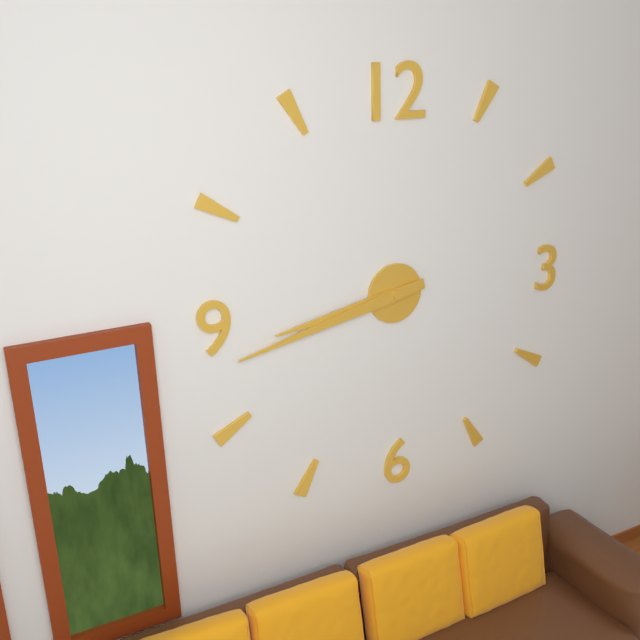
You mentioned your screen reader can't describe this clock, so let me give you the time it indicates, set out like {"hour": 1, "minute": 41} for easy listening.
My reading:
{"hour": 8, "minute": 43}
